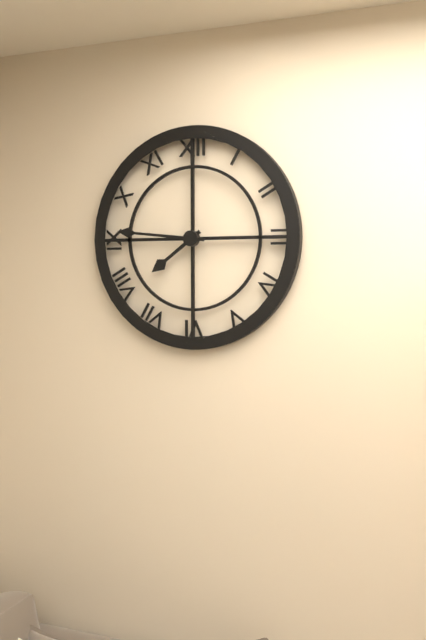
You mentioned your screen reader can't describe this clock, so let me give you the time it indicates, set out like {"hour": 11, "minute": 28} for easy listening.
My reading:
{"hour": 7, "minute": 46}
